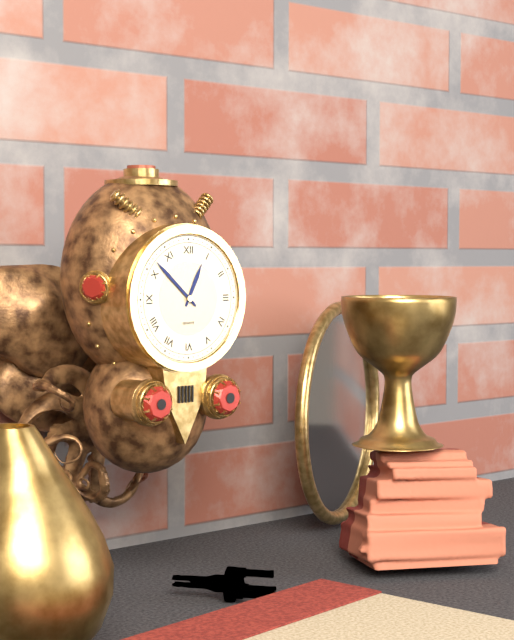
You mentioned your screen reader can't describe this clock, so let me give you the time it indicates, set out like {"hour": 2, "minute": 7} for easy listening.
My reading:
{"hour": 12, "minute": 52}
